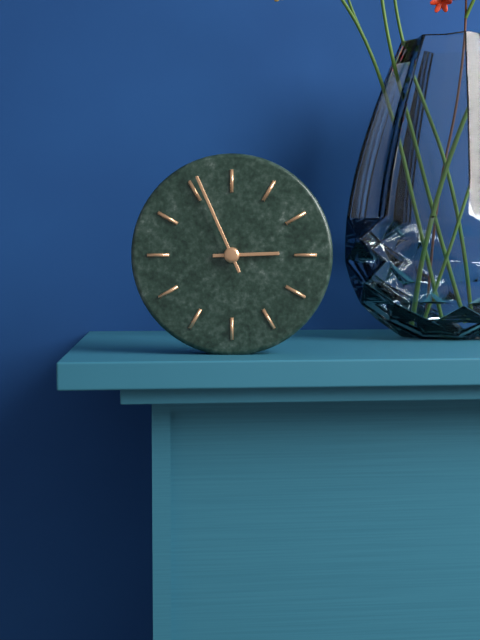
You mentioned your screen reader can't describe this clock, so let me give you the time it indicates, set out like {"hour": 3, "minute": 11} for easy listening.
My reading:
{"hour": 2, "minute": 56}
